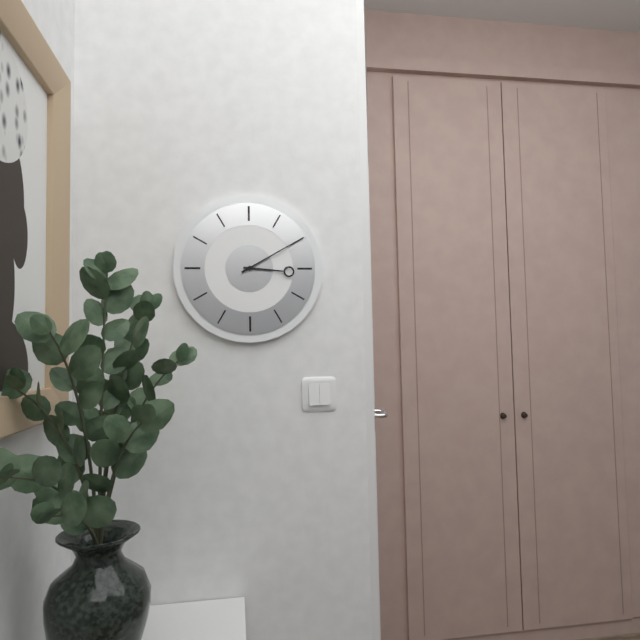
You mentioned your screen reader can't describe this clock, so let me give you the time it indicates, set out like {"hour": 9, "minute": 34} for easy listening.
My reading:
{"hour": 3, "minute": 10}
